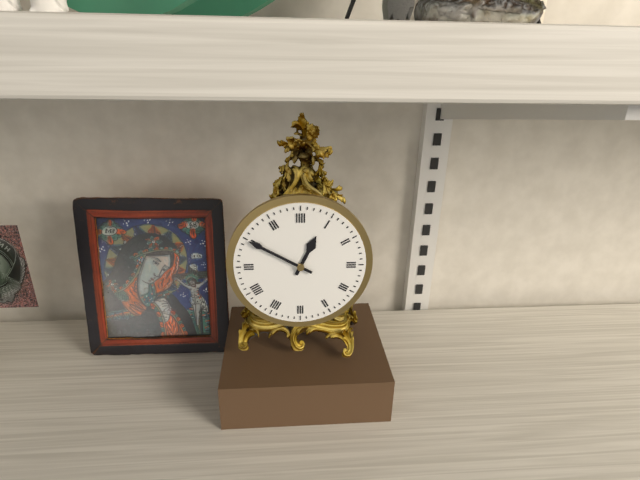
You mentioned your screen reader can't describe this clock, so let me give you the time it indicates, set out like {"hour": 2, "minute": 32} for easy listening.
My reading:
{"hour": 12, "minute": 50}
